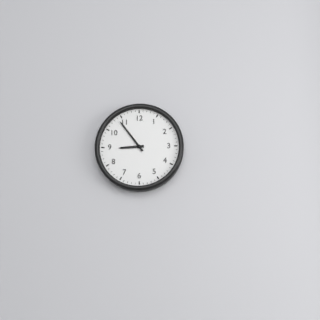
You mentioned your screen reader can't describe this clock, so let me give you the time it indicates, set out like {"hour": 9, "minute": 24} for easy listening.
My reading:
{"hour": 8, "minute": 54}
